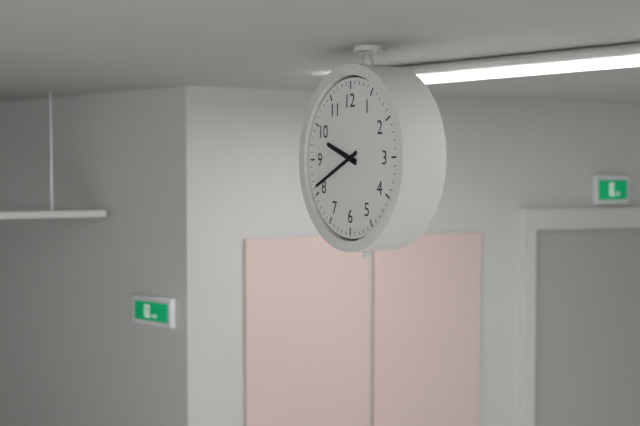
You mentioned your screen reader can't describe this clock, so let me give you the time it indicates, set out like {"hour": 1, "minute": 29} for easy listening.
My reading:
{"hour": 9, "minute": 41}
